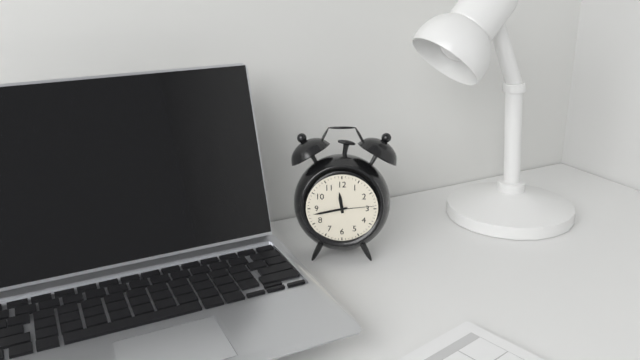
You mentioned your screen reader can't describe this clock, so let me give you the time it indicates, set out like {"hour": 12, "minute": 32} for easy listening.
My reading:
{"hour": 11, "minute": 43}
